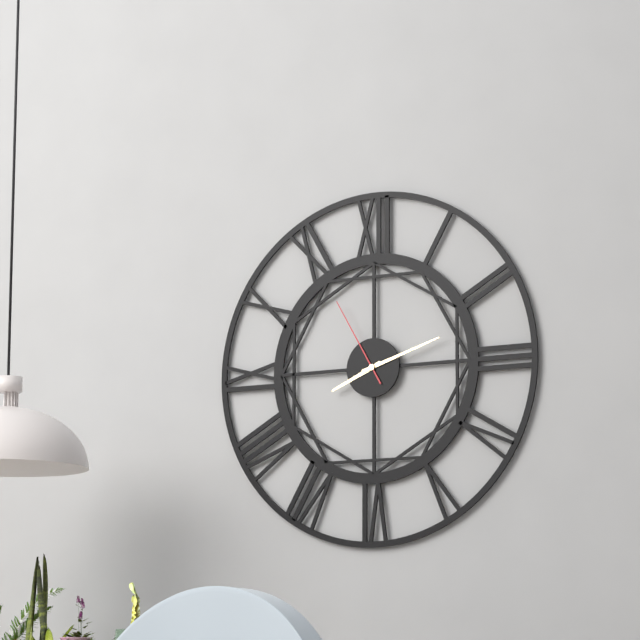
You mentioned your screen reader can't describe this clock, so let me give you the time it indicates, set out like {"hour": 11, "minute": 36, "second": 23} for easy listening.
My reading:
{"hour": 8, "minute": 12, "second": 55}
